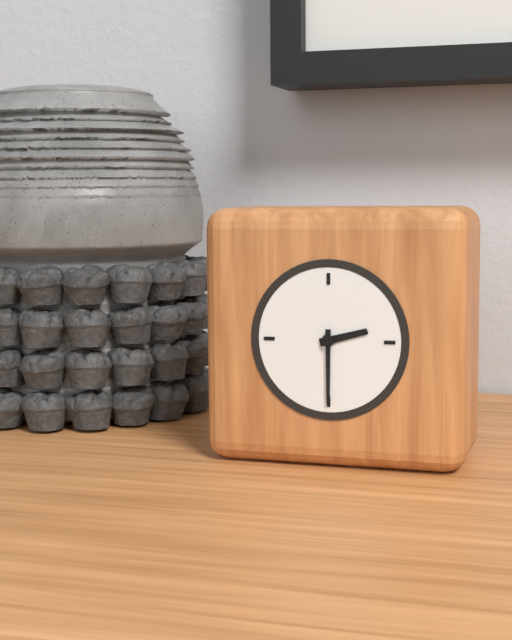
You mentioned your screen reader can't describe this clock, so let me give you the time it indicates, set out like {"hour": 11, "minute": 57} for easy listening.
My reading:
{"hour": 2, "minute": 30}
